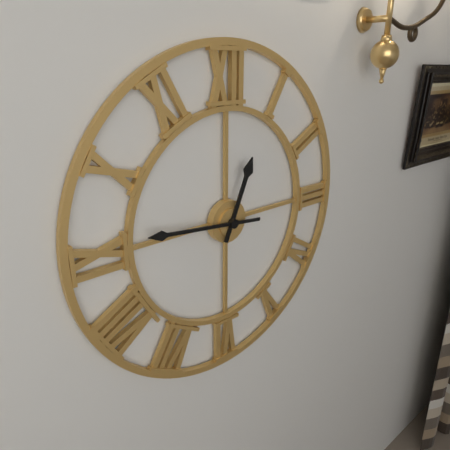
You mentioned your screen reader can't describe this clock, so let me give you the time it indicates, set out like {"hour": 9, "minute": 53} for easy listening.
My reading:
{"hour": 12, "minute": 46}
